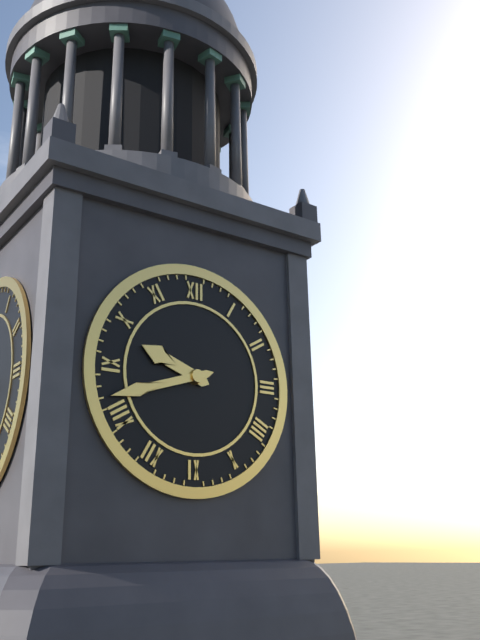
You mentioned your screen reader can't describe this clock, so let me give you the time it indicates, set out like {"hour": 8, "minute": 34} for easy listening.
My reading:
{"hour": 9, "minute": 42}
